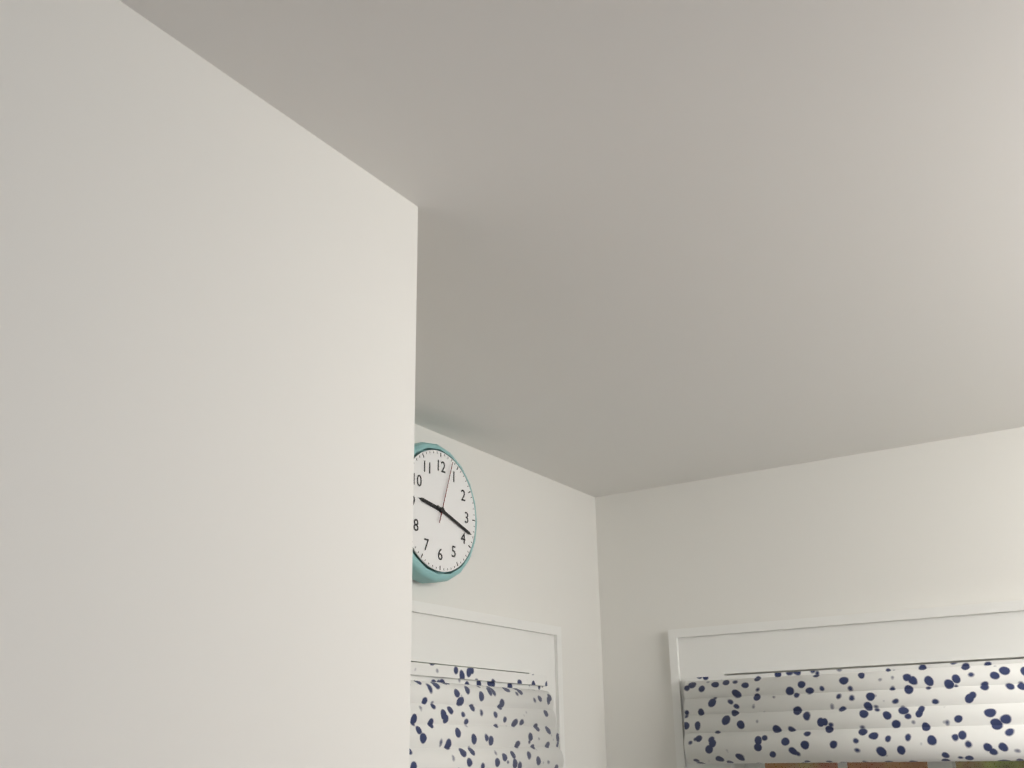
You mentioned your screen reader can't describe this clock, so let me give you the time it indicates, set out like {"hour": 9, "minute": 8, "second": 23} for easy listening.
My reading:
{"hour": 9, "minute": 18, "second": 3}
